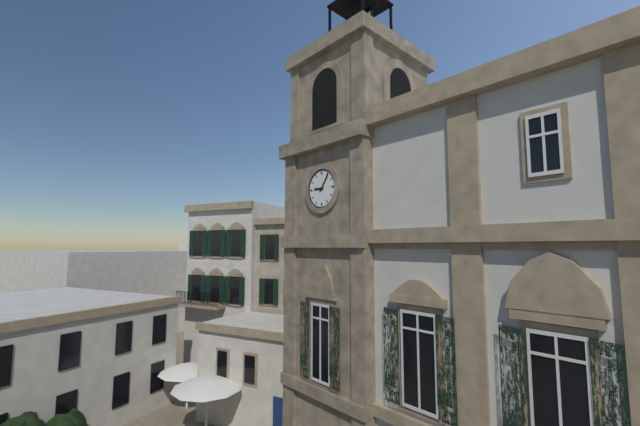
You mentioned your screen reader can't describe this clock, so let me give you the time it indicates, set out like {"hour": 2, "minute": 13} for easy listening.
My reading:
{"hour": 9, "minute": 6}
